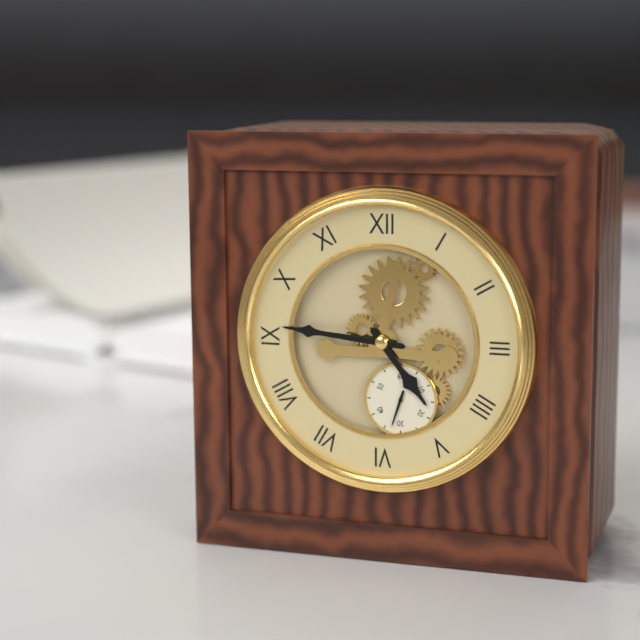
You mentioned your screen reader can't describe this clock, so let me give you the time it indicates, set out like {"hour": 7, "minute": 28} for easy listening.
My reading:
{"hour": 4, "minute": 46}
